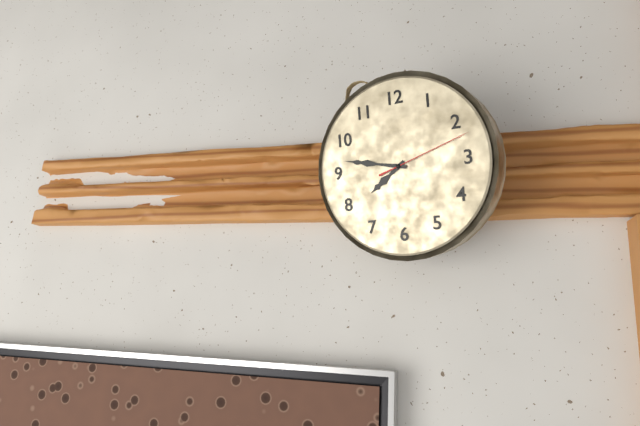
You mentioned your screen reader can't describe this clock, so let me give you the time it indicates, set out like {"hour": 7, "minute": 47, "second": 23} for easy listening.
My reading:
{"hour": 7, "minute": 47, "second": 12}
